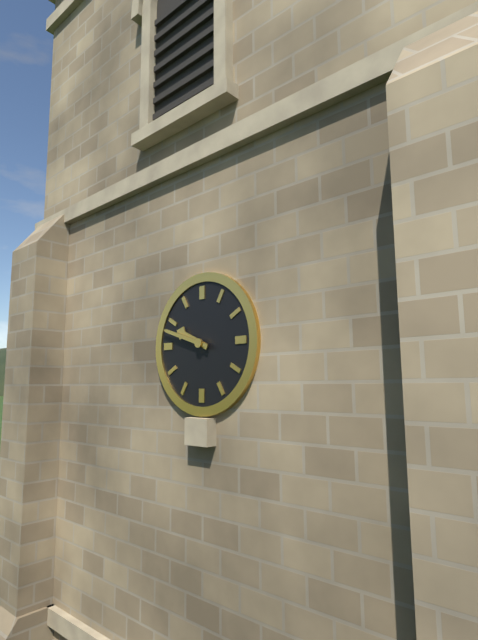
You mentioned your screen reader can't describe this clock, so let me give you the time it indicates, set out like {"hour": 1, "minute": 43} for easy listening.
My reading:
{"hour": 9, "minute": 48}
